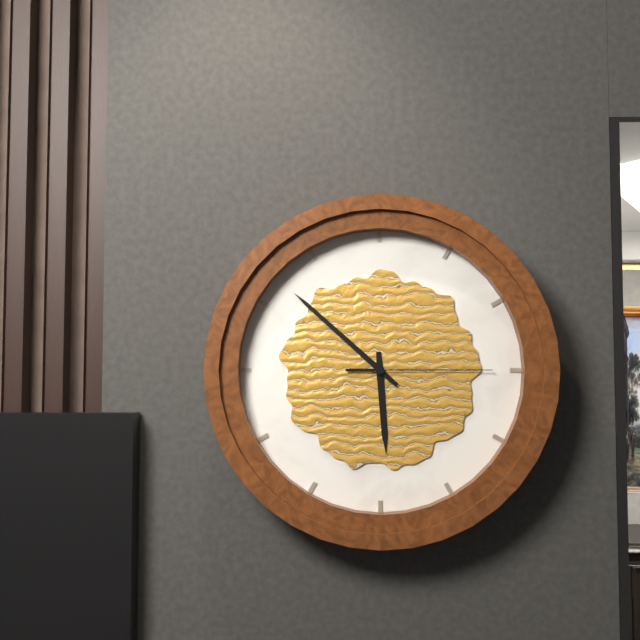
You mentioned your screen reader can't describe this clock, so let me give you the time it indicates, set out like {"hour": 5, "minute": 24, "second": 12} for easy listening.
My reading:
{"hour": 5, "minute": 52, "second": 15}
